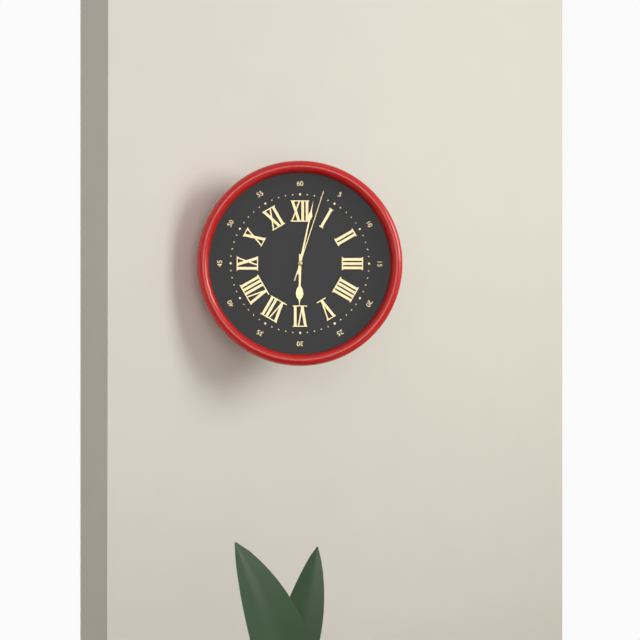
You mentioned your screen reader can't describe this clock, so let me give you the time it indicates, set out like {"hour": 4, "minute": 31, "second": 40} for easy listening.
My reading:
{"hour": 6, "minute": 2, "second": 3}
